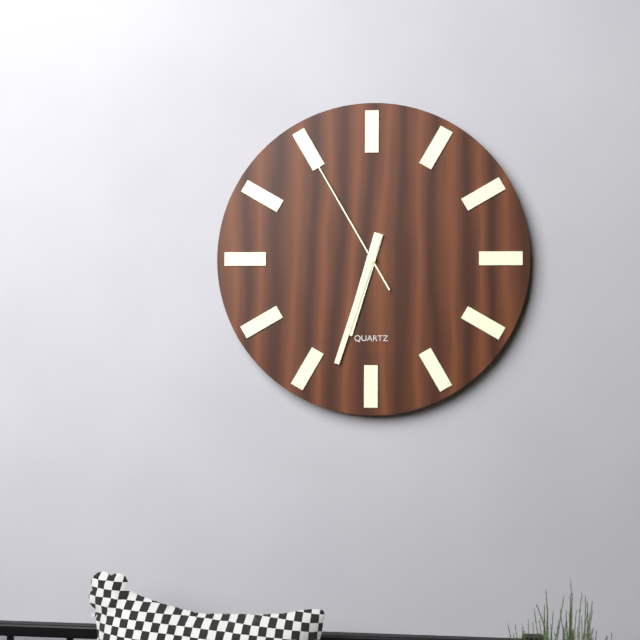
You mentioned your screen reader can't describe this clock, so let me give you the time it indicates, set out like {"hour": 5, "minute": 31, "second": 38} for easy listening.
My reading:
{"hour": 6, "minute": 33, "second": 55}
